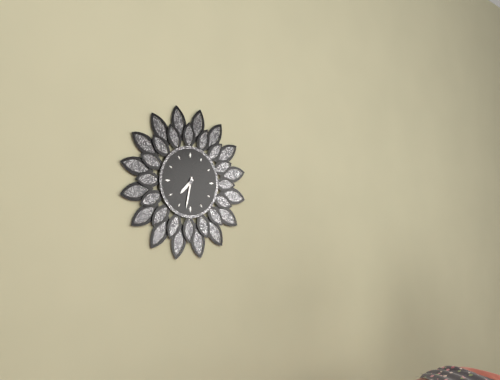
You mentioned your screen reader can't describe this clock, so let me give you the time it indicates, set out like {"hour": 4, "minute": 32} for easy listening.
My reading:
{"hour": 7, "minute": 32}
